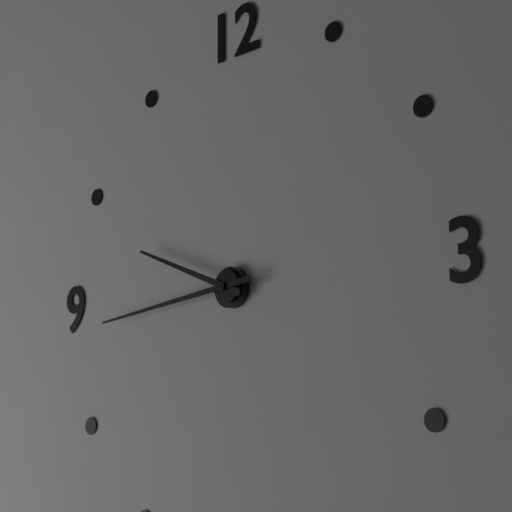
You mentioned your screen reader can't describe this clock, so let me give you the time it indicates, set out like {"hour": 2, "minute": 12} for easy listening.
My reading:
{"hour": 9, "minute": 44}
